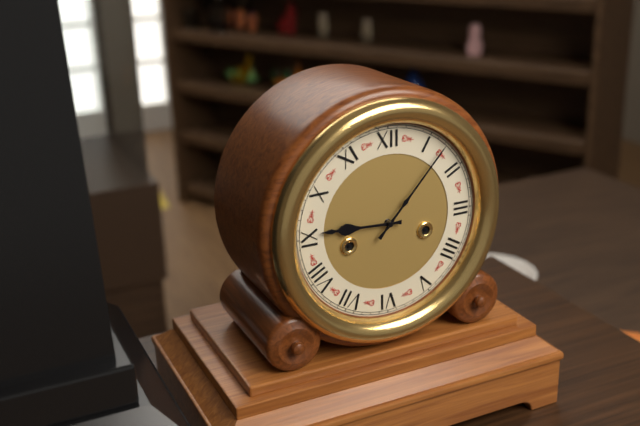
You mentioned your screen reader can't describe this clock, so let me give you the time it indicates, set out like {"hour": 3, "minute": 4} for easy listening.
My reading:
{"hour": 9, "minute": 7}
